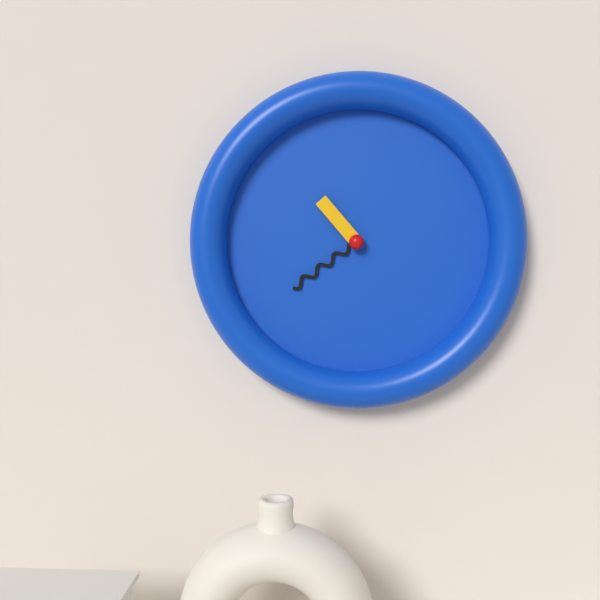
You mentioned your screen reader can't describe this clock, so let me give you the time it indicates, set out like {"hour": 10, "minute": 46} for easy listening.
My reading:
{"hour": 10, "minute": 39}
